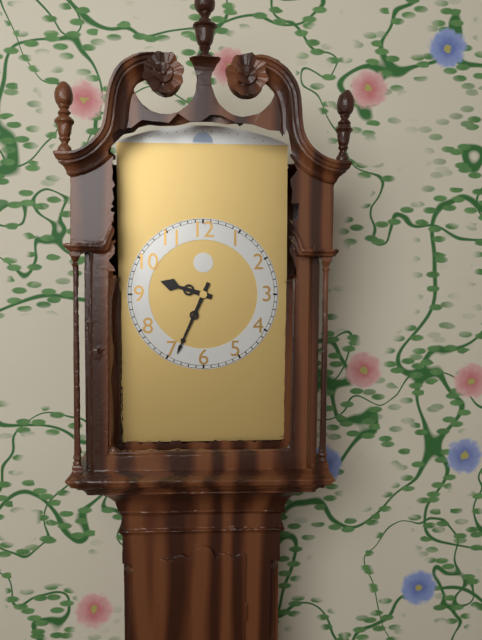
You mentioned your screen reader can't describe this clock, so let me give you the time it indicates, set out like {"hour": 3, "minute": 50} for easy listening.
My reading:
{"hour": 9, "minute": 34}
